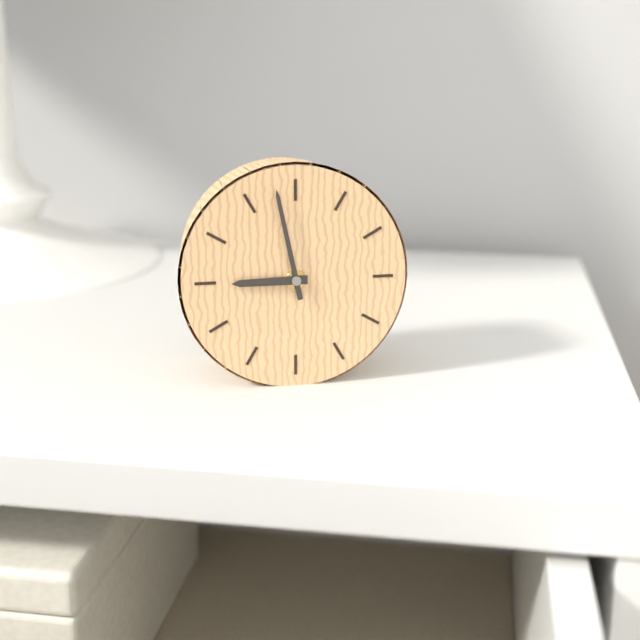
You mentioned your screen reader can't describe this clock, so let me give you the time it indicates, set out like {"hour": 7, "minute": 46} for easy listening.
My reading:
{"hour": 8, "minute": 58}
